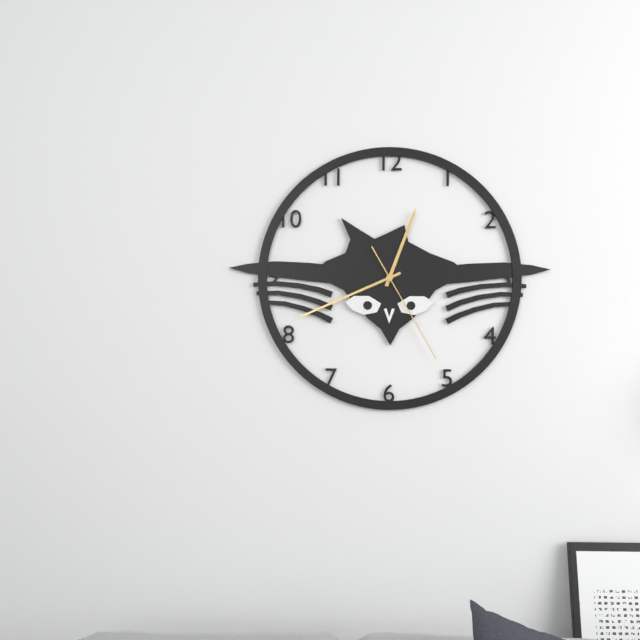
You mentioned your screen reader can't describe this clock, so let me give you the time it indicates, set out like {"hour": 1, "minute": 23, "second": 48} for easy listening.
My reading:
{"hour": 12, "minute": 41, "second": 25}
